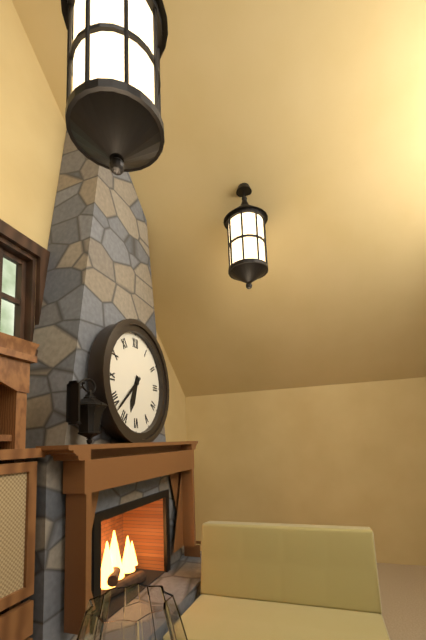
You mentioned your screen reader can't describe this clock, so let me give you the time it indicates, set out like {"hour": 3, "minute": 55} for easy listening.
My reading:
{"hour": 6, "minute": 38}
